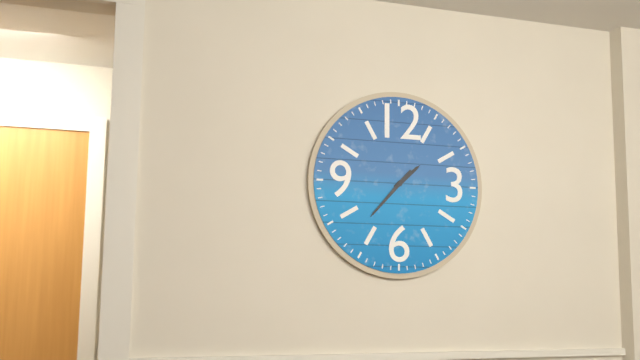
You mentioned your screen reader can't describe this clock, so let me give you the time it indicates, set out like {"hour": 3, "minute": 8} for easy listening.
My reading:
{"hour": 1, "minute": 37}
